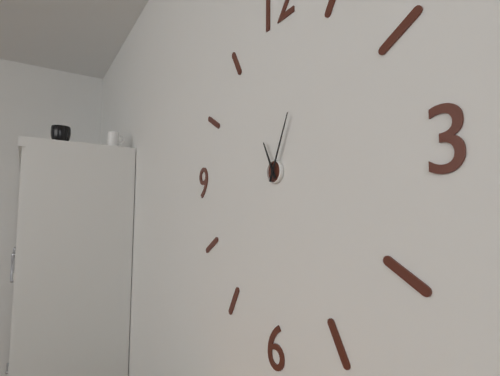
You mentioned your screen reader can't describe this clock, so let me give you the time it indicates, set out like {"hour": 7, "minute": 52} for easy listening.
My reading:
{"hour": 11, "minute": 4}
